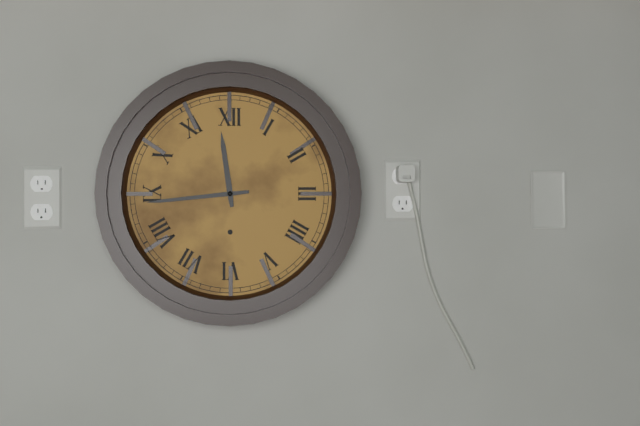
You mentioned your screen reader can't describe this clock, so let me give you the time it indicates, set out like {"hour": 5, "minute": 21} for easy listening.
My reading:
{"hour": 11, "minute": 44}
